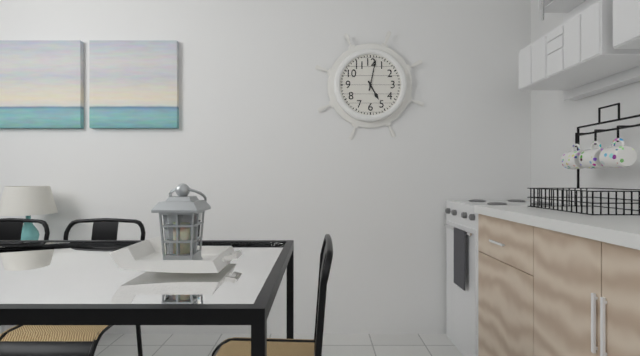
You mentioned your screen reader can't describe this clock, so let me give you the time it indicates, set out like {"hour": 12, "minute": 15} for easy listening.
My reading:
{"hour": 5, "minute": 2}
